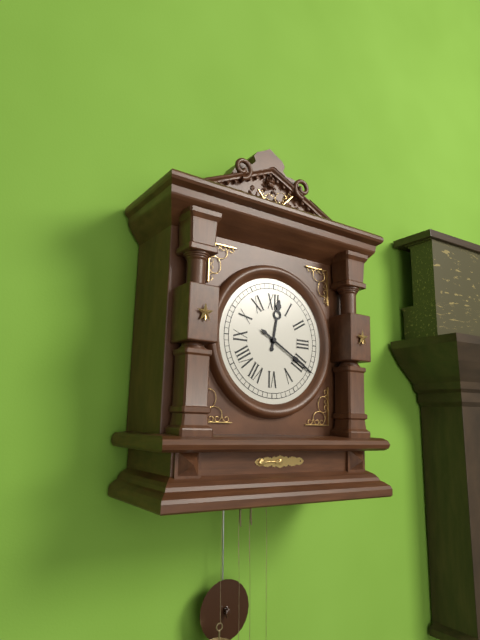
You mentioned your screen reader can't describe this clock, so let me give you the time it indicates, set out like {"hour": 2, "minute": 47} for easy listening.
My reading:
{"hour": 12, "minute": 20}
